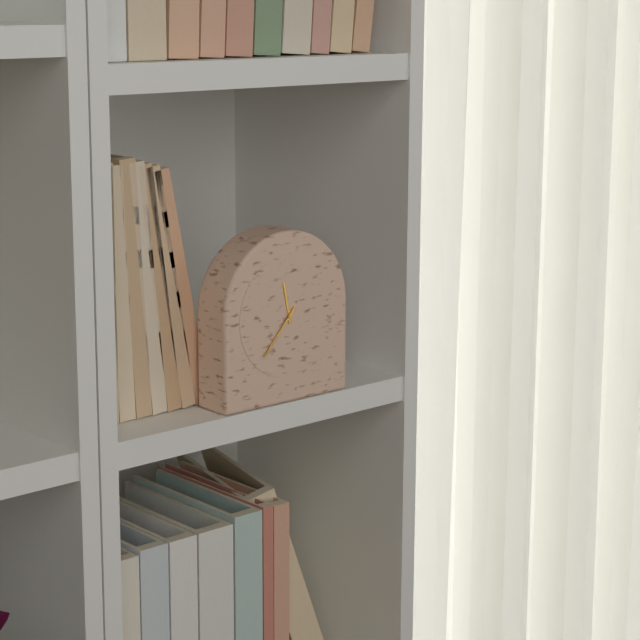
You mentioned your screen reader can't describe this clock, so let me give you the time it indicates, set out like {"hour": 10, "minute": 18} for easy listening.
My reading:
{"hour": 11, "minute": 37}
